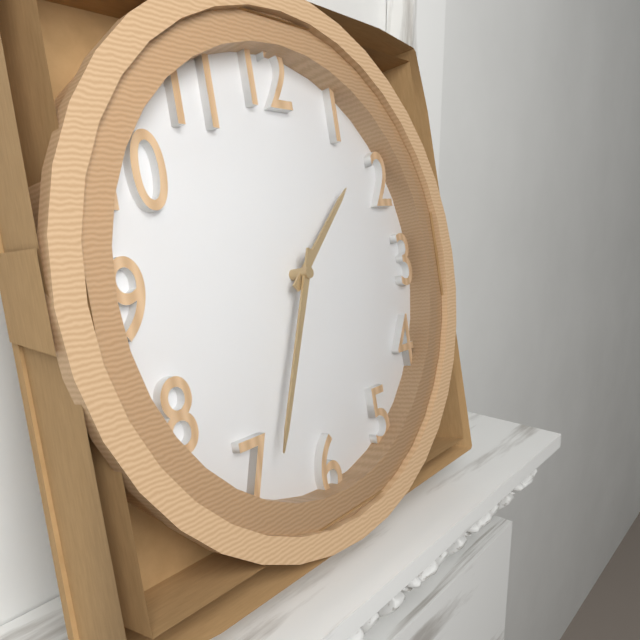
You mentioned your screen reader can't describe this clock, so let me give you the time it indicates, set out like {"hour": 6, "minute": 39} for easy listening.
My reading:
{"hour": 1, "minute": 34}
